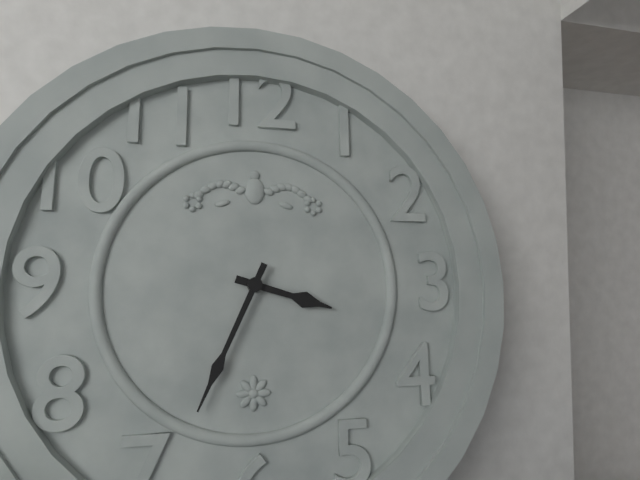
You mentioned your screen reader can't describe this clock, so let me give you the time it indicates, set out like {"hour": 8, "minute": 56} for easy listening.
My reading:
{"hour": 3, "minute": 34}
